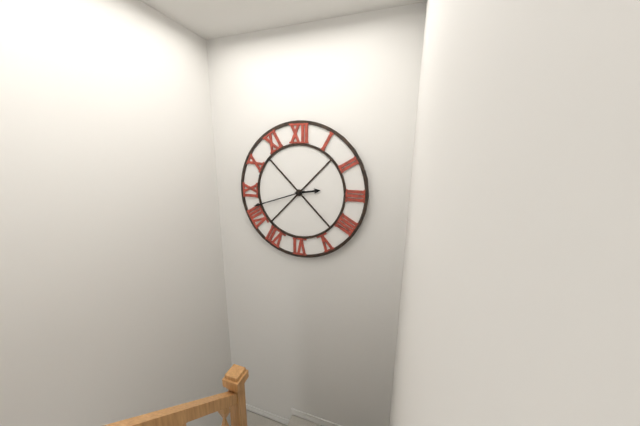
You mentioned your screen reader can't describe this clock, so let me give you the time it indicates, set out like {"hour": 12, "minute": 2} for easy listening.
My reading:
{"hour": 2, "minute": 42}
